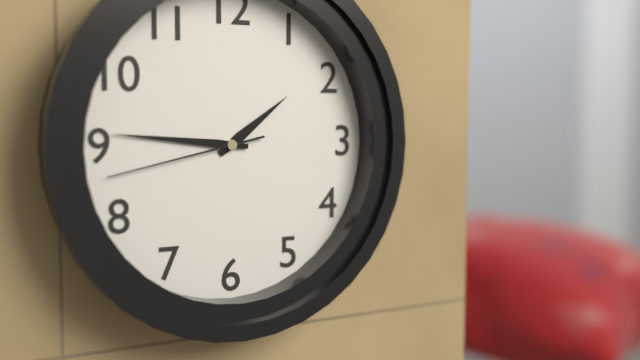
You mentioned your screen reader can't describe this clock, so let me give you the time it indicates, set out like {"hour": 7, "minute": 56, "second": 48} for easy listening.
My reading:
{"hour": 1, "minute": 46, "second": 43}
